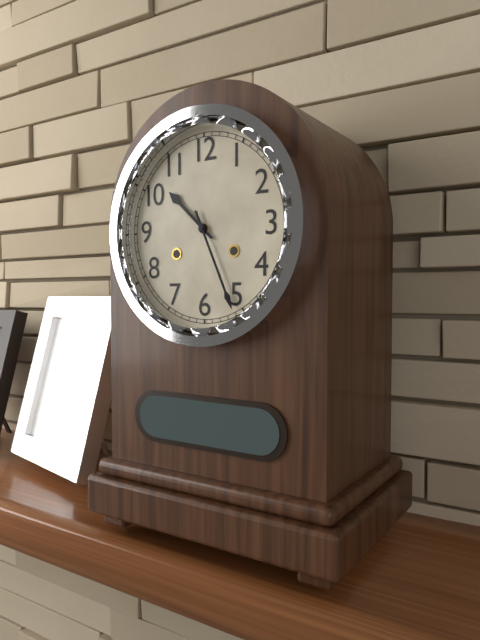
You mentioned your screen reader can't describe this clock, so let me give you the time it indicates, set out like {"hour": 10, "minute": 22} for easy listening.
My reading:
{"hour": 10, "minute": 26}
